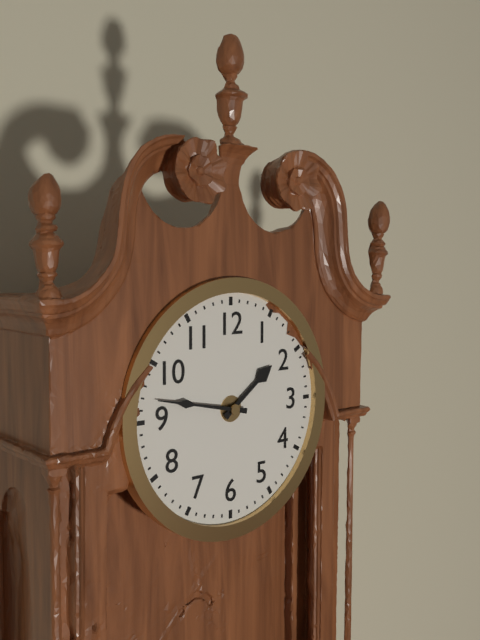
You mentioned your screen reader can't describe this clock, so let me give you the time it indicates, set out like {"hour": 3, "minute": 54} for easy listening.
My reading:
{"hour": 1, "minute": 47}
